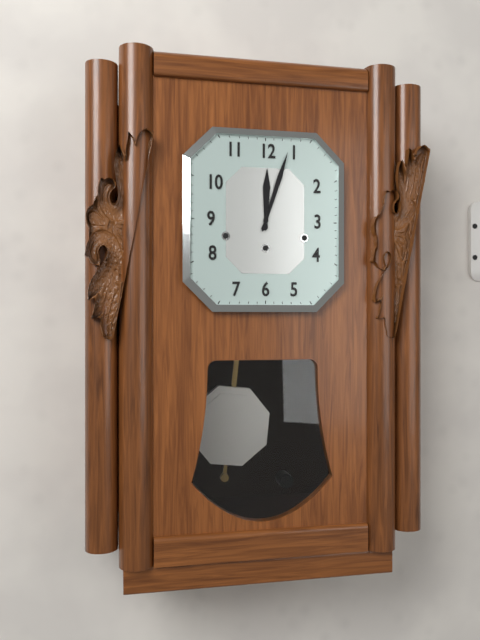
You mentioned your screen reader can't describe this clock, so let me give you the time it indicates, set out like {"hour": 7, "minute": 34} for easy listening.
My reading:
{"hour": 12, "minute": 3}
